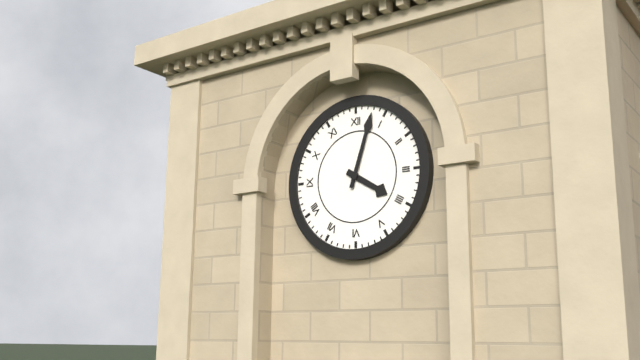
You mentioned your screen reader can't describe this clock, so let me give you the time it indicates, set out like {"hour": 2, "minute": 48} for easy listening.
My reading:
{"hour": 4, "minute": 3}
